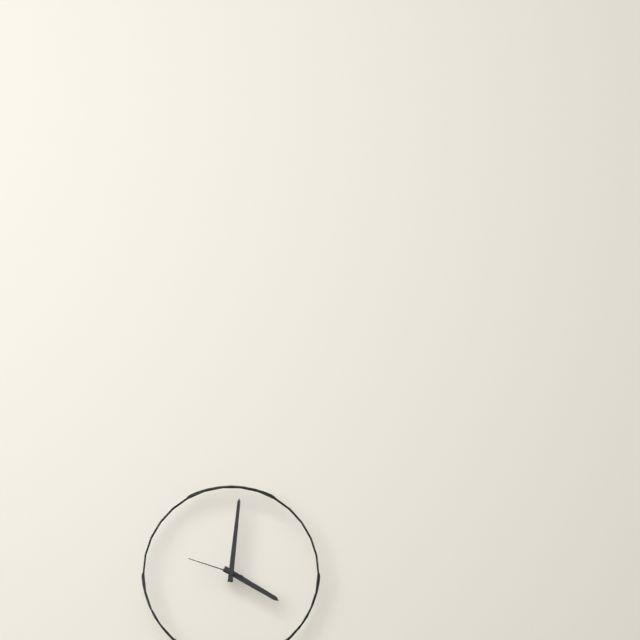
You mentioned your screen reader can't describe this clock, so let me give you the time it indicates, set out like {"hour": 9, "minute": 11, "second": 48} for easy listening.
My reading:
{"hour": 4, "minute": 1, "second": 48}
